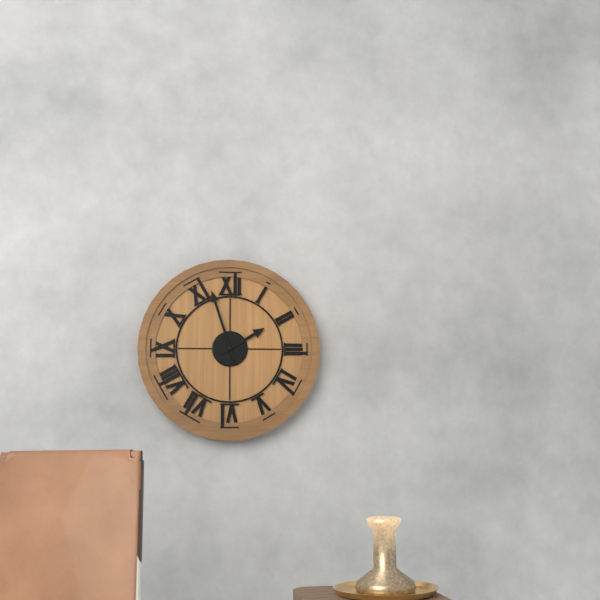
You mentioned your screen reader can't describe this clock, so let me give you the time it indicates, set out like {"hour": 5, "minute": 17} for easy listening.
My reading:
{"hour": 1, "minute": 57}
